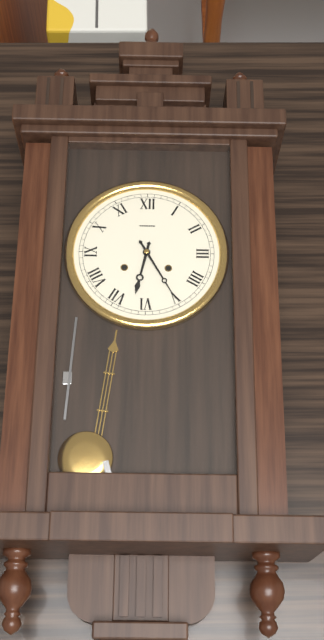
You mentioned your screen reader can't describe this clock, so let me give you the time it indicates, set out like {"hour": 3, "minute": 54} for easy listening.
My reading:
{"hour": 6, "minute": 25}
